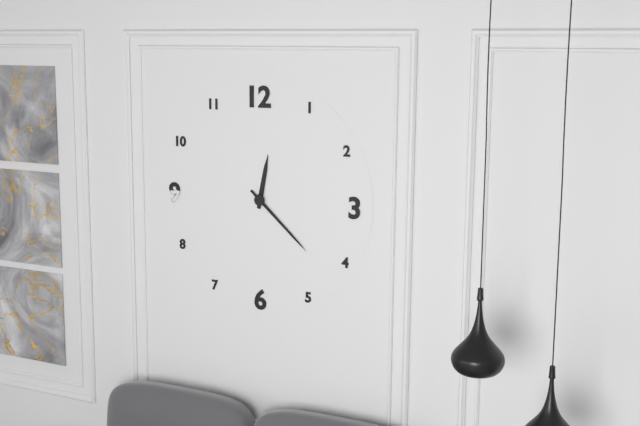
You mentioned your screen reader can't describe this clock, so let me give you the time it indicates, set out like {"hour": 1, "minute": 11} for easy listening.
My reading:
{"hour": 12, "minute": 22}
